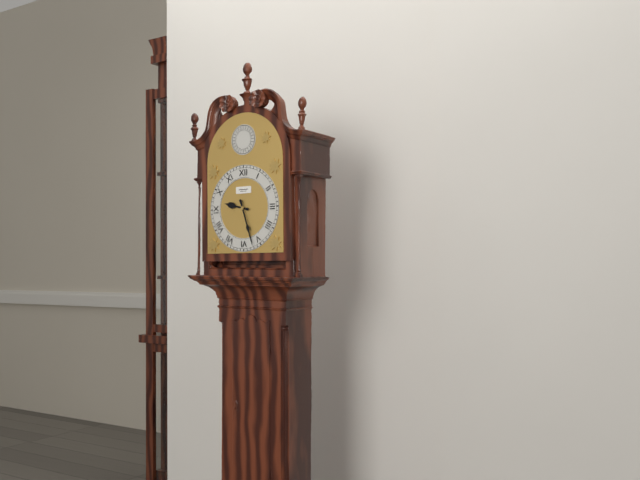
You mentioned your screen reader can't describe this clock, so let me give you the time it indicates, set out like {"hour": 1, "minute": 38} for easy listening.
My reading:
{"hour": 9, "minute": 27}
